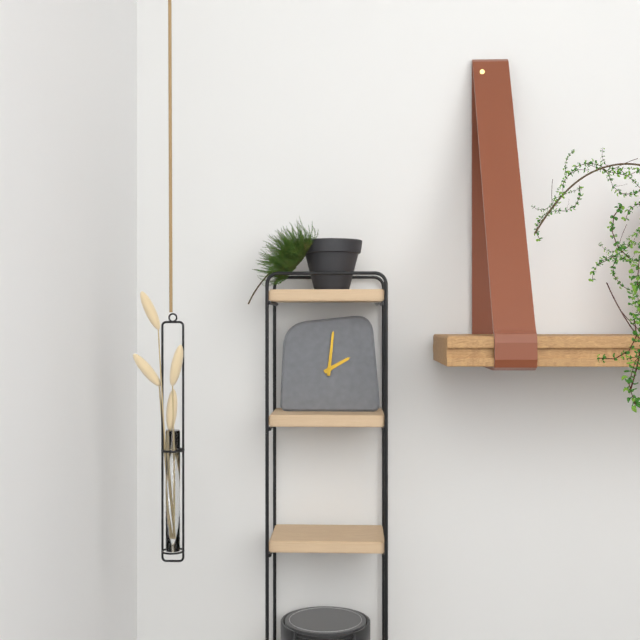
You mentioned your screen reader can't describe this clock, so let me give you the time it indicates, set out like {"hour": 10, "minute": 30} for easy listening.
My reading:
{"hour": 2, "minute": 1}
